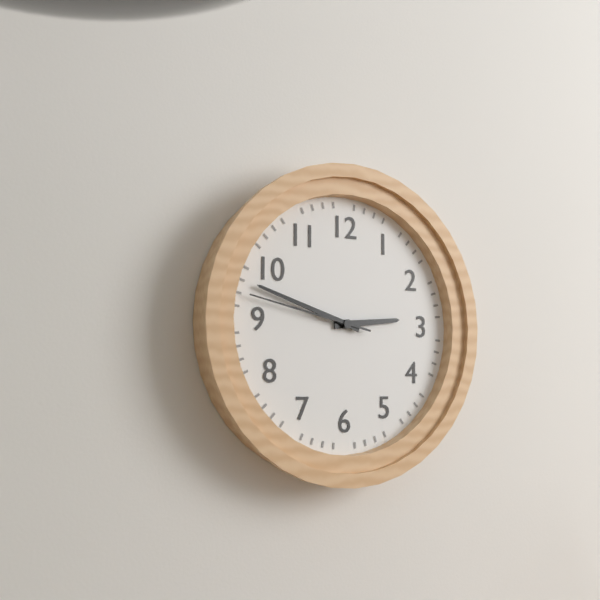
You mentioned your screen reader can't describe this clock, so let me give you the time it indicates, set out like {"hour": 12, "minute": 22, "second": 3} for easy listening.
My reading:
{"hour": 2, "minute": 48, "second": 47}
